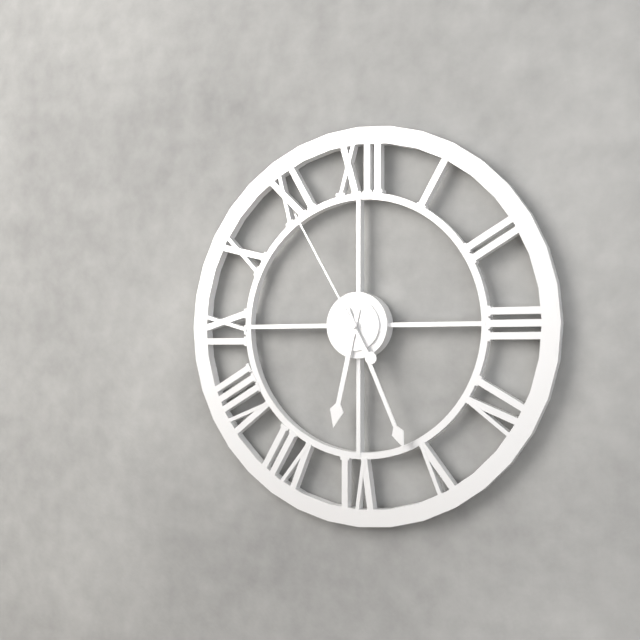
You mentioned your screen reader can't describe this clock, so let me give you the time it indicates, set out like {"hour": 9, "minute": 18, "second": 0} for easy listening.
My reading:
{"hour": 6, "minute": 26, "second": 55}
